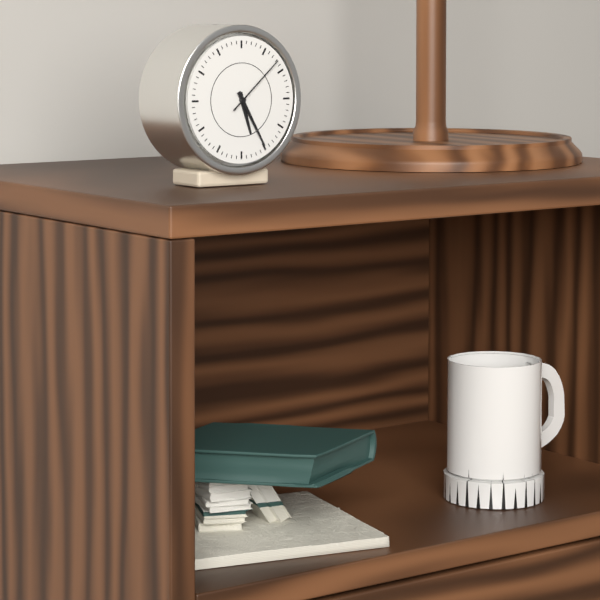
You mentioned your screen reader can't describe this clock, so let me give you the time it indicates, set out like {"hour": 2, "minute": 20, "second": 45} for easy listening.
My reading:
{"hour": 5, "minute": 25, "second": 8}
